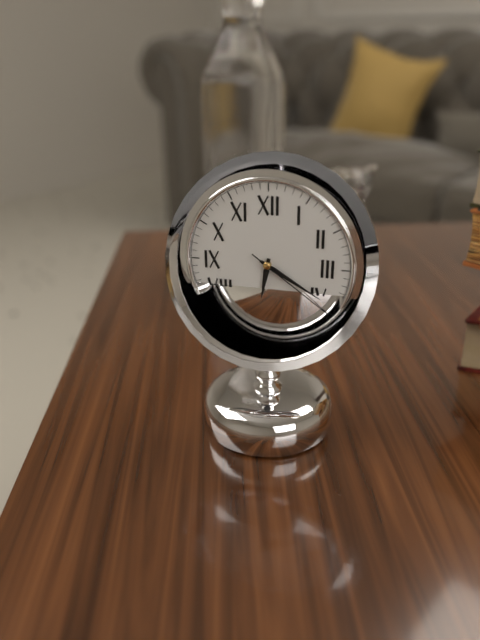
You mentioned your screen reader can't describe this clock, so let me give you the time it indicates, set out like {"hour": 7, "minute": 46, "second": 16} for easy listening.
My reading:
{"hour": 6, "minute": 20, "second": 21}
